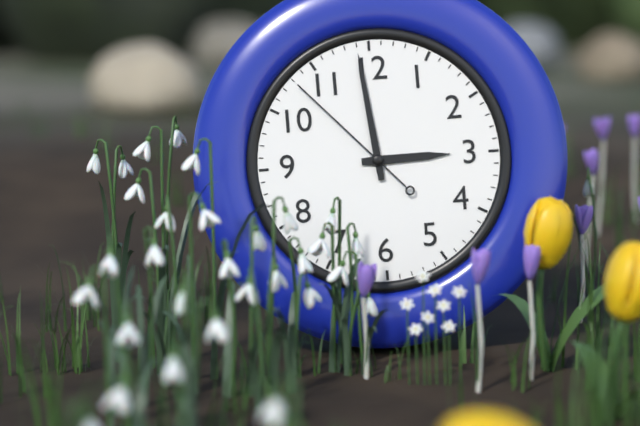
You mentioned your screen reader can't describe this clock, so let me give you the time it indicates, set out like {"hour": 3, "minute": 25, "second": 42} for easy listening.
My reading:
{"hour": 2, "minute": 59, "second": 53}
